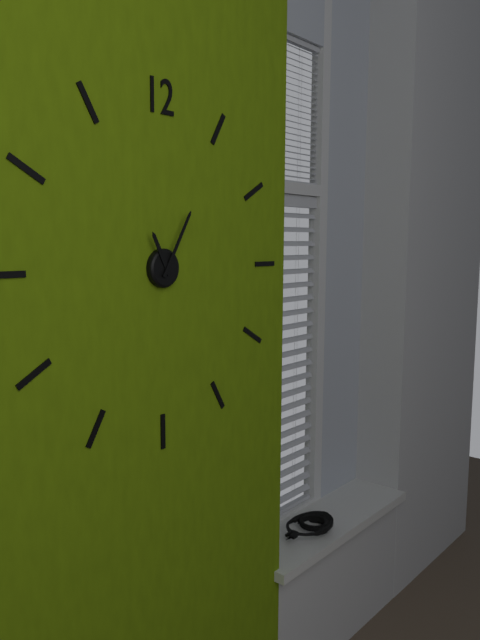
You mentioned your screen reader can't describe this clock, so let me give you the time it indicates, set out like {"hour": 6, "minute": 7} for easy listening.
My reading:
{"hour": 11, "minute": 5}
